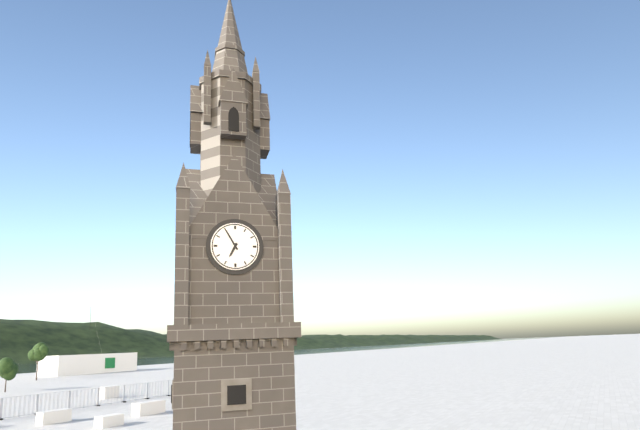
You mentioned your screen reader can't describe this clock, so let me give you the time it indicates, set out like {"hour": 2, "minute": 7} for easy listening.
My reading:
{"hour": 6, "minute": 55}
